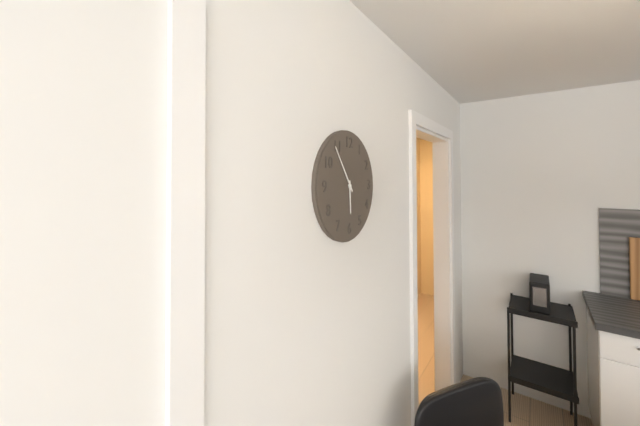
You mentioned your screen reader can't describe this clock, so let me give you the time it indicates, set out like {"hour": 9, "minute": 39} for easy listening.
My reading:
{"hour": 5, "minute": 54}
